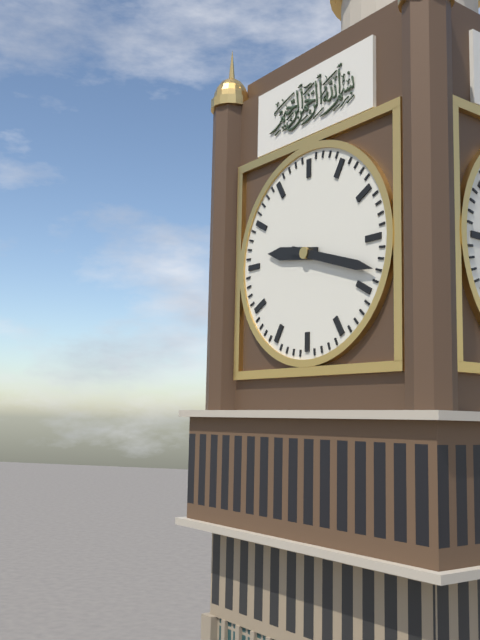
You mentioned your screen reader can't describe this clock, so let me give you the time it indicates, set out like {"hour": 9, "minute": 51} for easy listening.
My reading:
{"hour": 9, "minute": 18}
